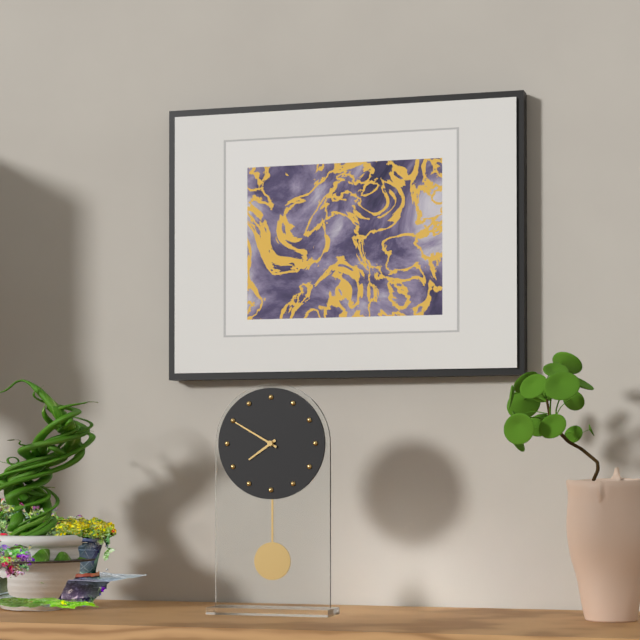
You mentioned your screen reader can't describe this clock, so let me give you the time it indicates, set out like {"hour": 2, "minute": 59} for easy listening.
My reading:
{"hour": 7, "minute": 50}
